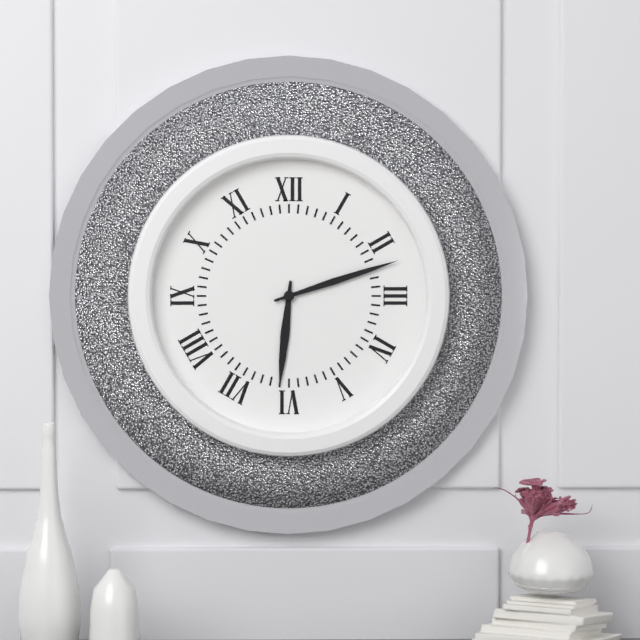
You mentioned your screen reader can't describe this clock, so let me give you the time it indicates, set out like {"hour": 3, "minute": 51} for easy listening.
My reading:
{"hour": 6, "minute": 12}
